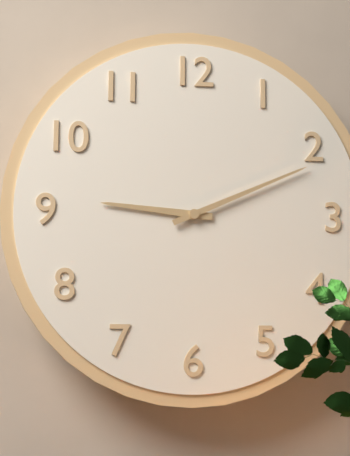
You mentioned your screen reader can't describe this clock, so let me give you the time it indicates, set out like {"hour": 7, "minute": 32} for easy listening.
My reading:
{"hour": 9, "minute": 11}
